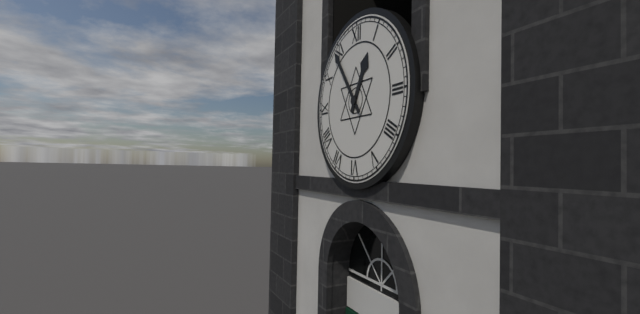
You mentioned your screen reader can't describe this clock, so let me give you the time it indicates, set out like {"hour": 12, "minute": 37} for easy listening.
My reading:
{"hour": 12, "minute": 54}
